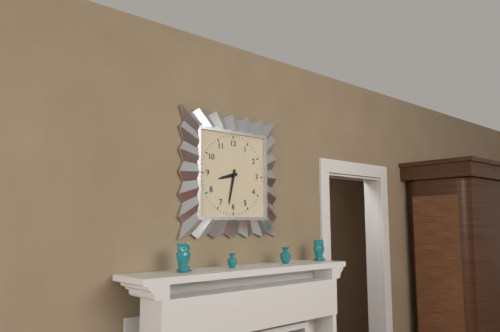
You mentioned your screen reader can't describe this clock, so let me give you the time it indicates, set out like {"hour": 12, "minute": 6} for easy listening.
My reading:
{"hour": 8, "minute": 32}
